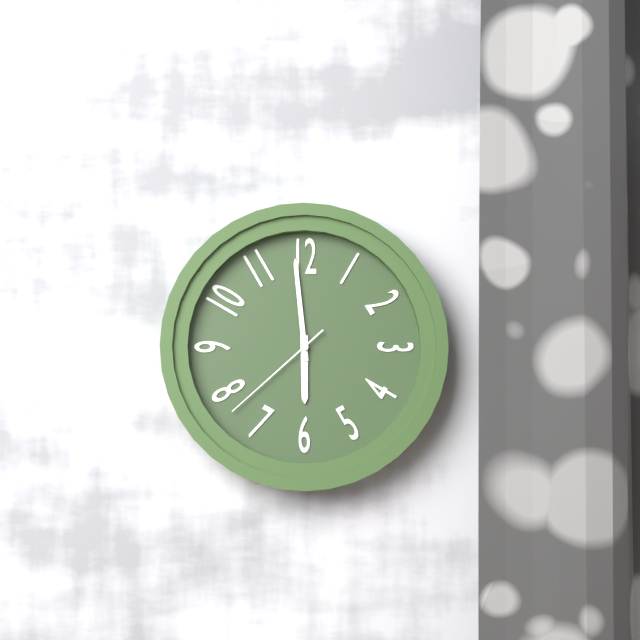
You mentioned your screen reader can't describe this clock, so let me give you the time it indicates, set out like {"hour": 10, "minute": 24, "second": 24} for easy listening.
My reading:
{"hour": 5, "minute": 59, "second": 38}
